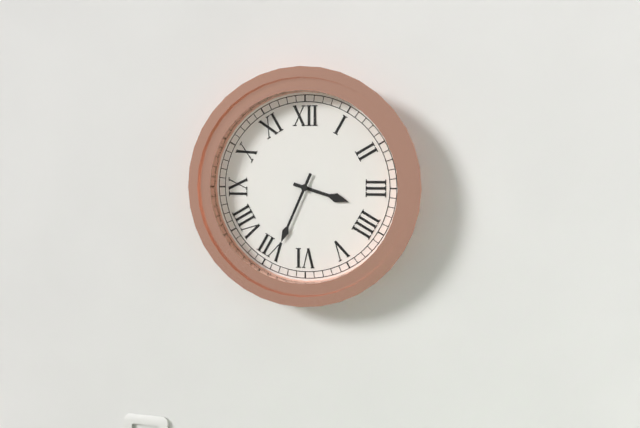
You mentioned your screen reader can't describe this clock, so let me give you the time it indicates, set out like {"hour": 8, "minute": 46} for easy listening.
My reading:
{"hour": 3, "minute": 34}
